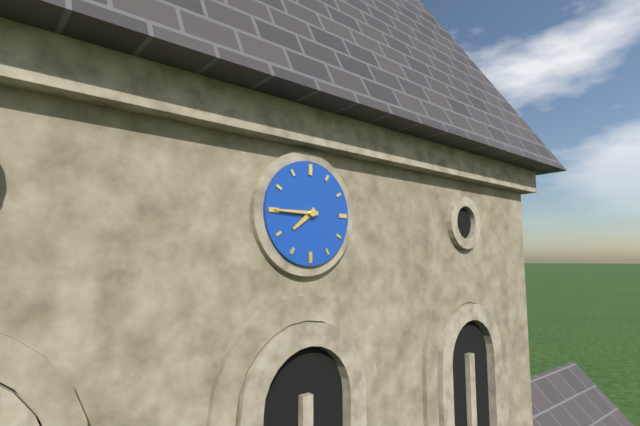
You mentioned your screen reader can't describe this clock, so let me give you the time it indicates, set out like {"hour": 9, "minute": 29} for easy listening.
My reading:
{"hour": 7, "minute": 45}
